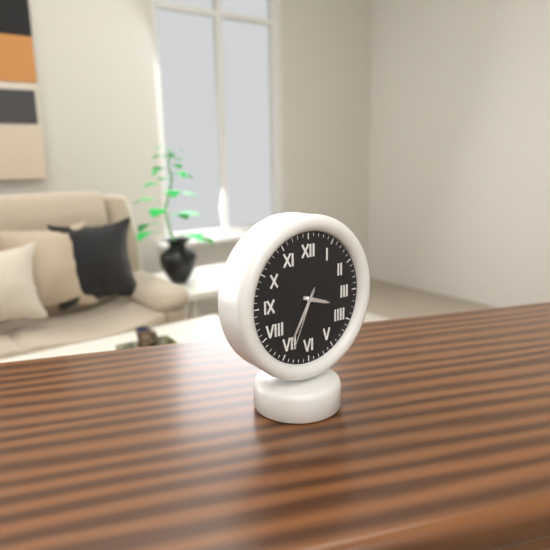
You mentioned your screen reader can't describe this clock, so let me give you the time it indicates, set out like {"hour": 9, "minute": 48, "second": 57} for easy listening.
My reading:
{"hour": 3, "minute": 35, "second": 34}
